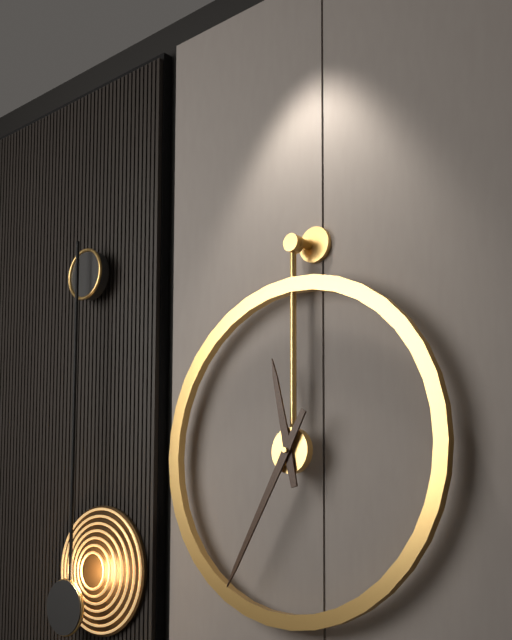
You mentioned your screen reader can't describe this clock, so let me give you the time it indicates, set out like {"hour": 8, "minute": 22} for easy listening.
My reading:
{"hour": 11, "minute": 35}
